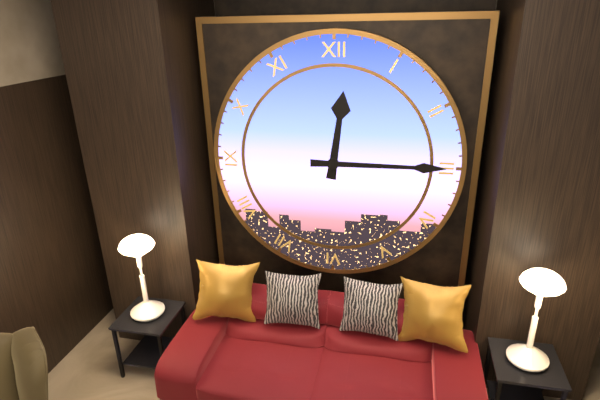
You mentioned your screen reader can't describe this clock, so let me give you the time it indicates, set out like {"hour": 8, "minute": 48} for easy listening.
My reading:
{"hour": 12, "minute": 15}
